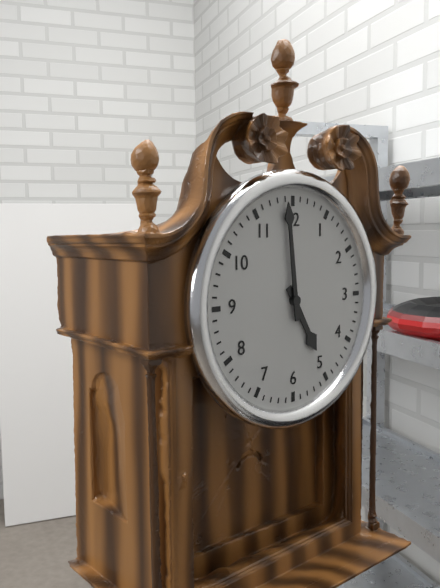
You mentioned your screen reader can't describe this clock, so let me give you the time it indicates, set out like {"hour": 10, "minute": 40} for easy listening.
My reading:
{"hour": 4, "minute": 59}
